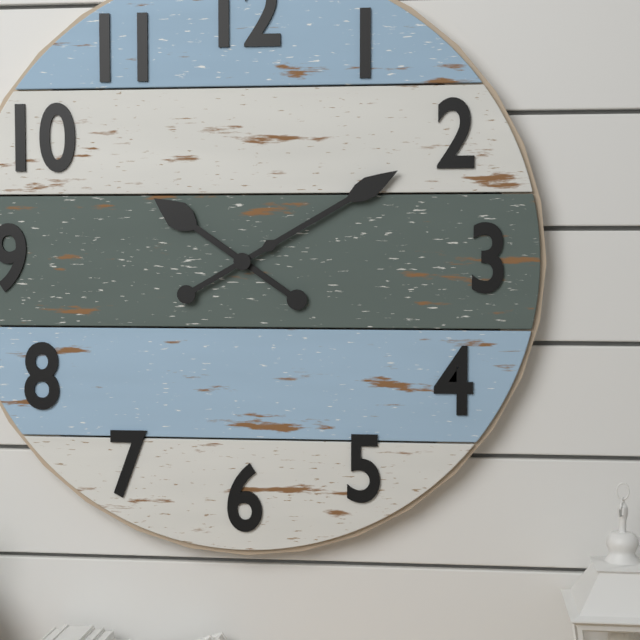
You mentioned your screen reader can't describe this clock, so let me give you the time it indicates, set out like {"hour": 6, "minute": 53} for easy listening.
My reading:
{"hour": 10, "minute": 10}
